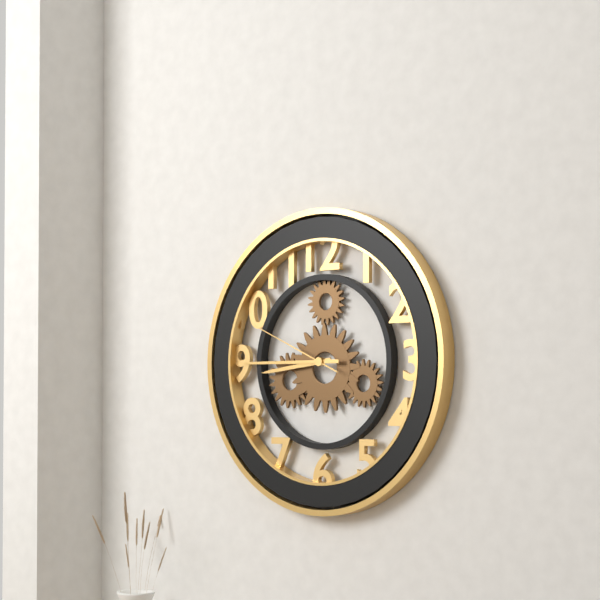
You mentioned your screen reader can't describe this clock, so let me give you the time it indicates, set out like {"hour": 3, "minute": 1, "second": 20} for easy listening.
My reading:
{"hour": 8, "minute": 45, "second": 49}
